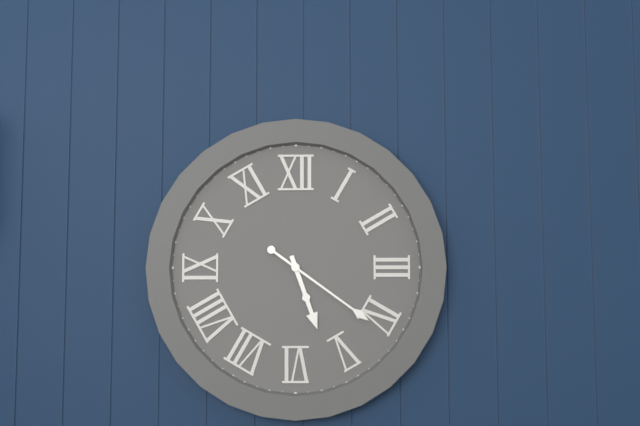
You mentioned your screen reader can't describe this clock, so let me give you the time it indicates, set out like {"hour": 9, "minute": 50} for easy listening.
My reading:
{"hour": 5, "minute": 21}
